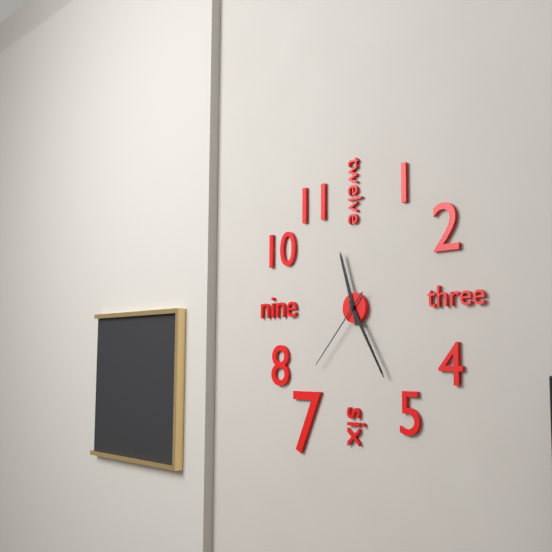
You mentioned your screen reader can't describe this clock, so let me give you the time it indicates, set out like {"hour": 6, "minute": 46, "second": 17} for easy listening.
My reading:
{"hour": 11, "minute": 25, "second": 37}
